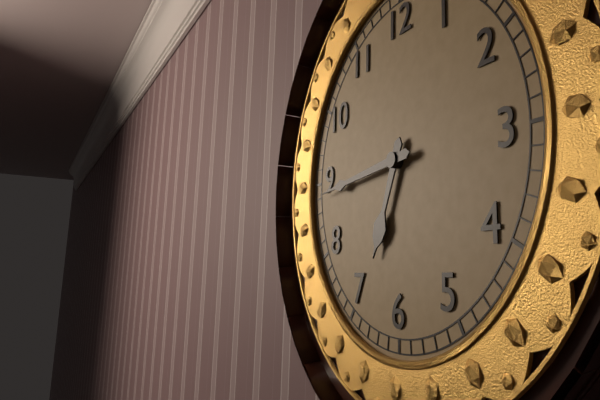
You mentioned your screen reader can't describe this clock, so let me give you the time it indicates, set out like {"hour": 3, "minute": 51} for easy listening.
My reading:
{"hour": 6, "minute": 44}
